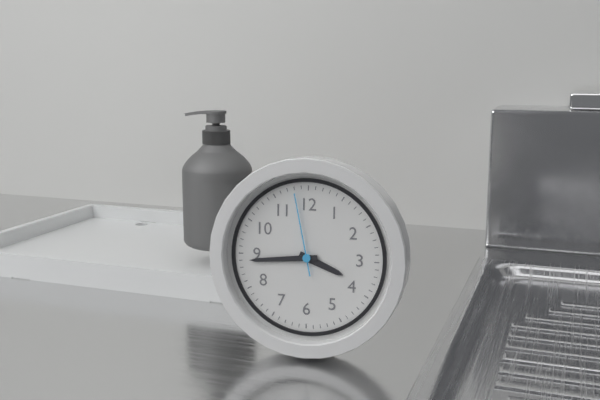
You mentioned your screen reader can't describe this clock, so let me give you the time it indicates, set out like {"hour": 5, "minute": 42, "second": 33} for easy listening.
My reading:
{"hour": 3, "minute": 44, "second": 58}
